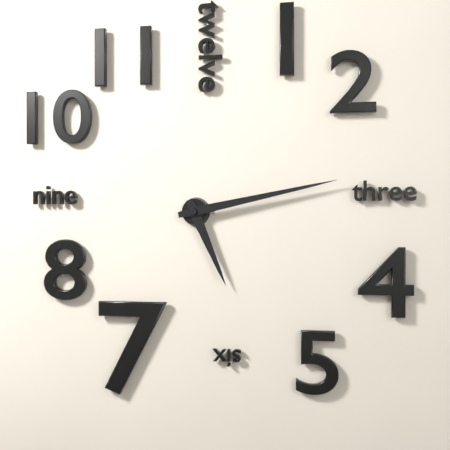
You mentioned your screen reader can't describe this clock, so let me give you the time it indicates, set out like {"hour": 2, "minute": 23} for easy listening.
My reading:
{"hour": 5, "minute": 13}
